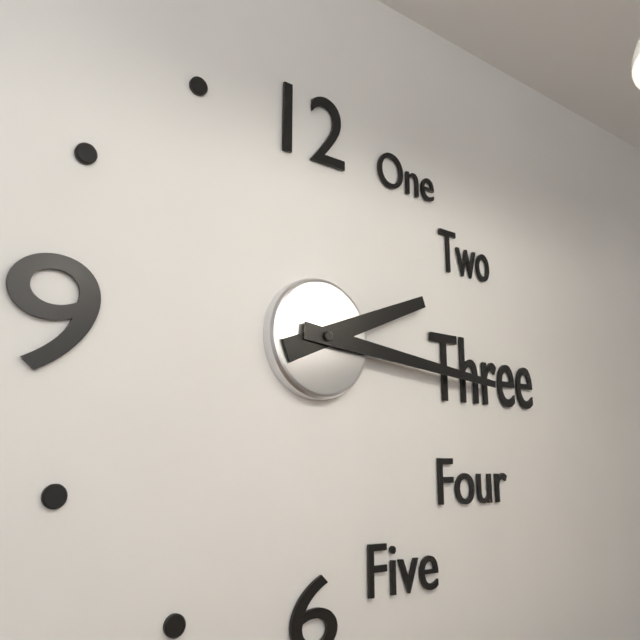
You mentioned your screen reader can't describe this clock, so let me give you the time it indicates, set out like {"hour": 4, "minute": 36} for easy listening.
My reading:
{"hour": 2, "minute": 16}
